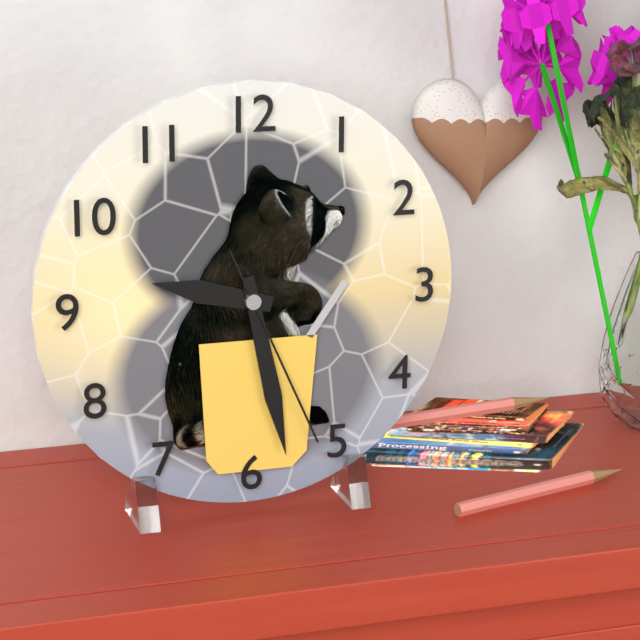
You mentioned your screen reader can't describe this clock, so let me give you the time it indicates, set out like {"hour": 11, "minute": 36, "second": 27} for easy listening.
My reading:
{"hour": 9, "minute": 28, "second": 26}
